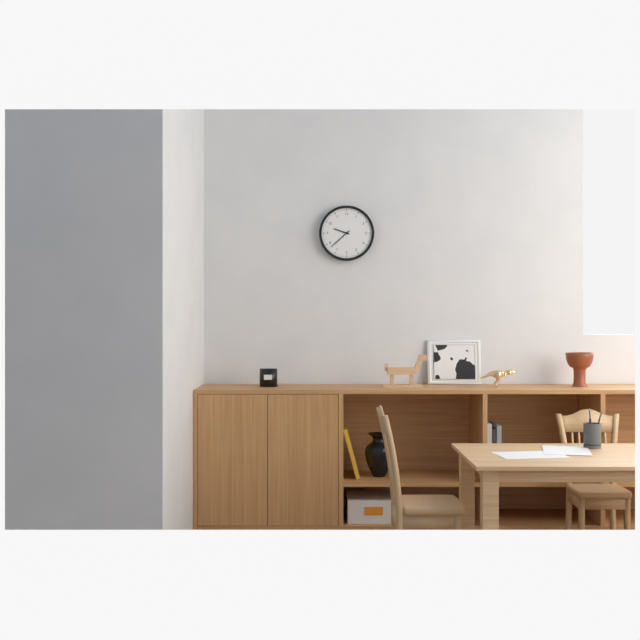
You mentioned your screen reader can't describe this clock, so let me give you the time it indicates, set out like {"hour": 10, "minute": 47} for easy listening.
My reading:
{"hour": 9, "minute": 38}
